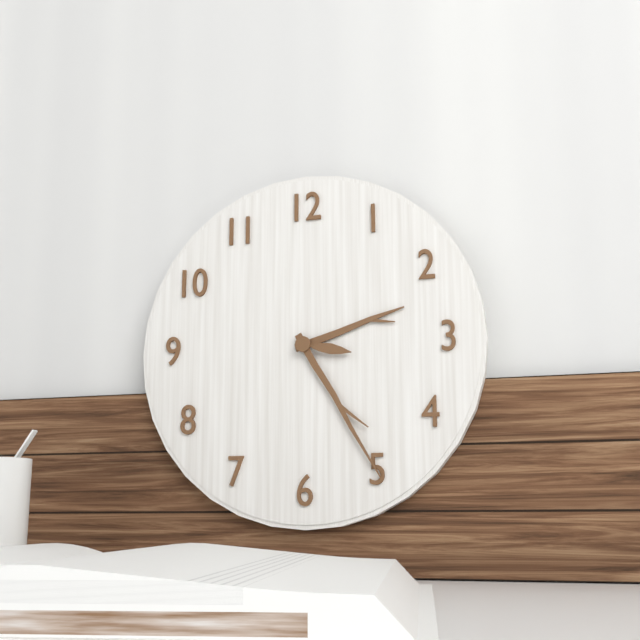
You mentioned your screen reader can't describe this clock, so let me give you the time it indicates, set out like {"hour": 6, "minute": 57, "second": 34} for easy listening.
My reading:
{"hour": 2, "minute": 25, "second": 17}
